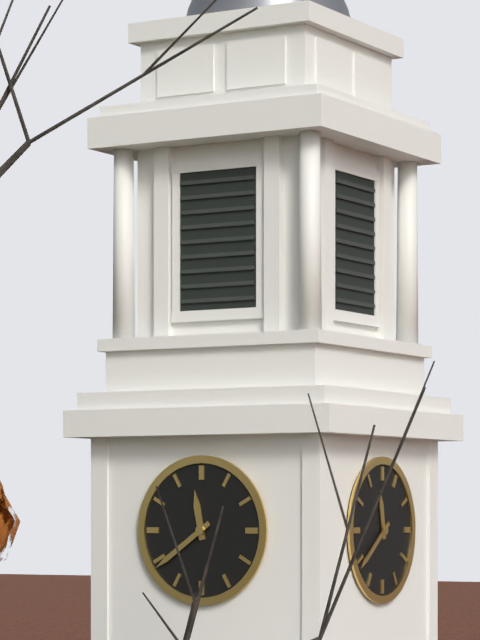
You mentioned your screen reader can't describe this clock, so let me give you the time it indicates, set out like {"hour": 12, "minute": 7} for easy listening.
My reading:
{"hour": 11, "minute": 39}
